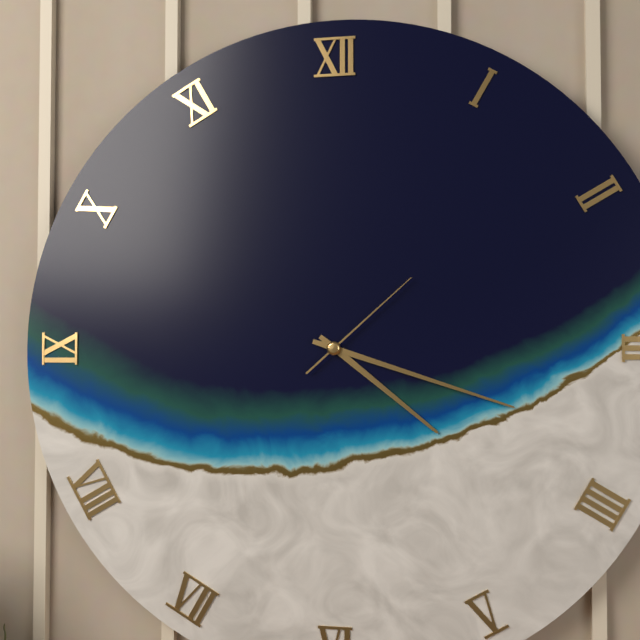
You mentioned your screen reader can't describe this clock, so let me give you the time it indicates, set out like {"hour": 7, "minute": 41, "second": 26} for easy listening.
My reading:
{"hour": 4, "minute": 18, "second": 8}
